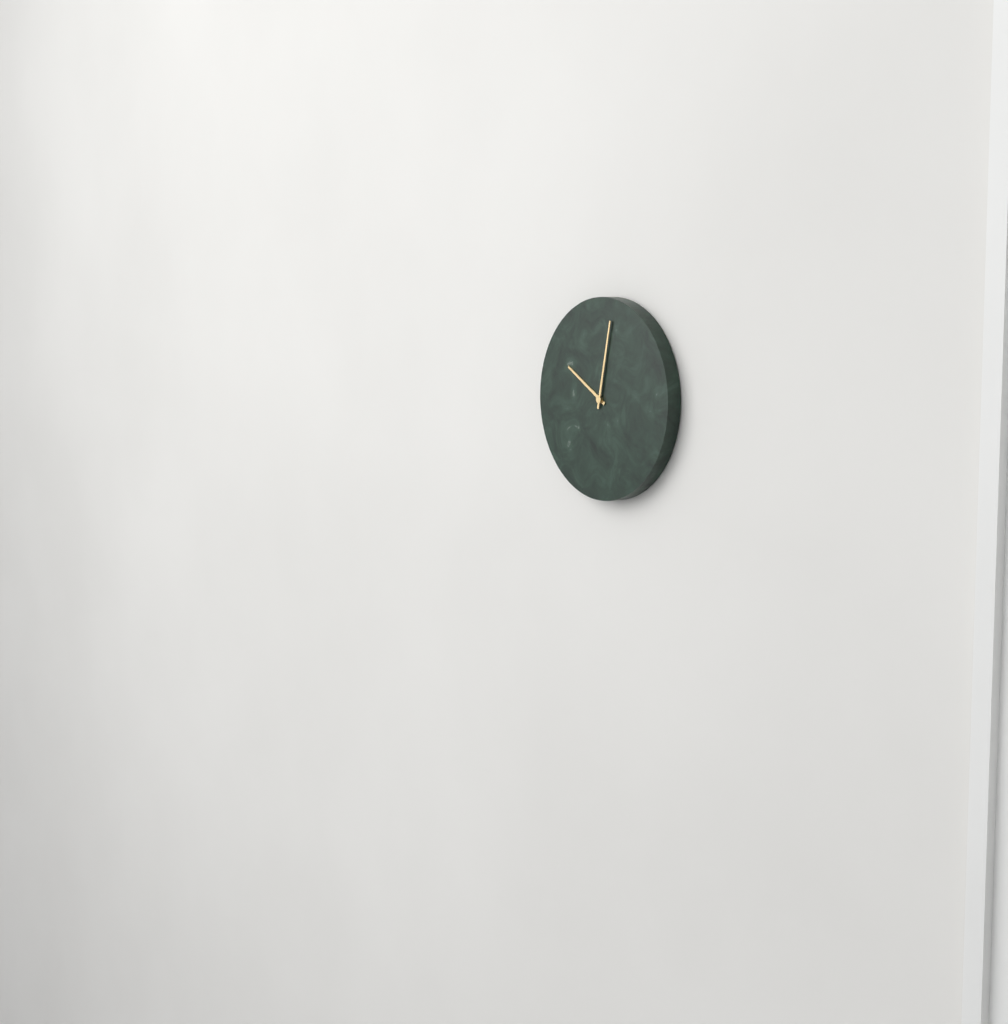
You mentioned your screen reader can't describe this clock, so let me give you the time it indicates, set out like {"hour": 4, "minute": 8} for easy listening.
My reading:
{"hour": 10, "minute": 2}
